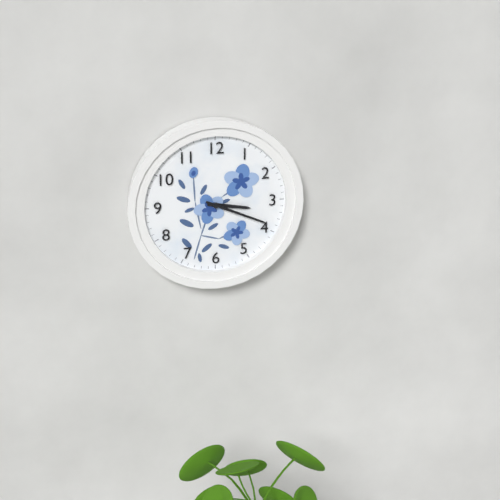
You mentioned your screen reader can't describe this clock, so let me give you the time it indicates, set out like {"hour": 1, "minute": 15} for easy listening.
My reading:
{"hour": 3, "minute": 19}
